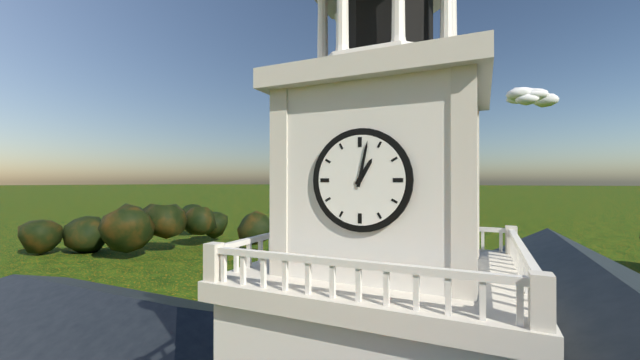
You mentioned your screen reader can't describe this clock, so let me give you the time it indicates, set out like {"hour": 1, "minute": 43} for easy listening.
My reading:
{"hour": 1, "minute": 2}
